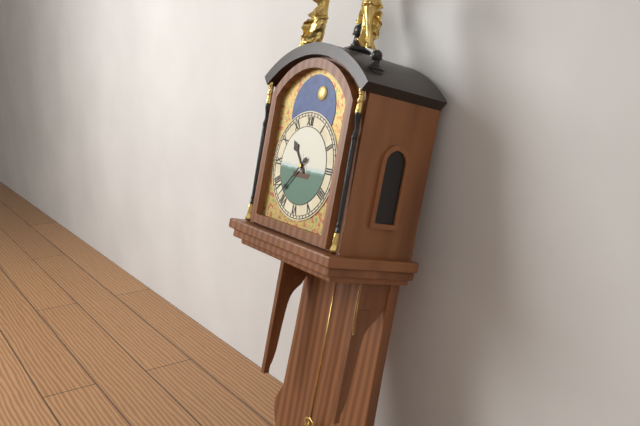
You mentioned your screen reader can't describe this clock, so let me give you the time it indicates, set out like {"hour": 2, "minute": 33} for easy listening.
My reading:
{"hour": 10, "minute": 37}
